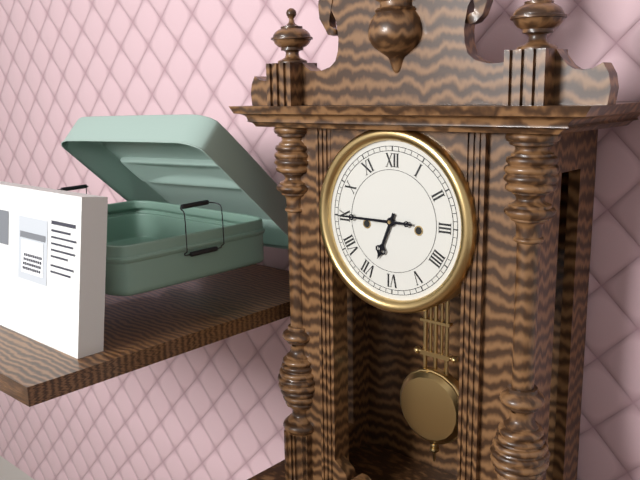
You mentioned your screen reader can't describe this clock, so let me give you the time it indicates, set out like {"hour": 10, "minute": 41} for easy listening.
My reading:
{"hour": 6, "minute": 45}
